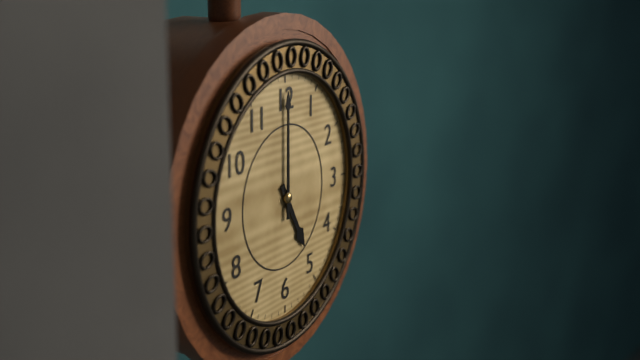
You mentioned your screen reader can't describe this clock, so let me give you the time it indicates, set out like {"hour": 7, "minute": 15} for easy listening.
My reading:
{"hour": 5, "minute": 0}
